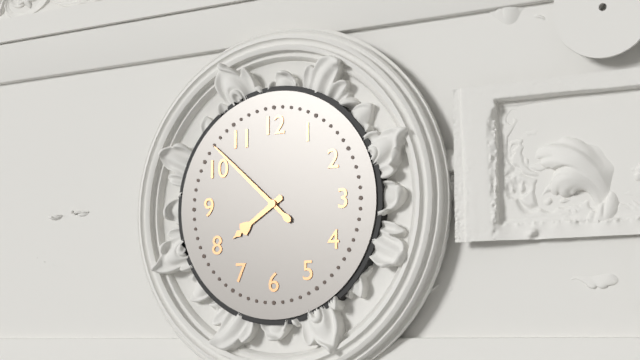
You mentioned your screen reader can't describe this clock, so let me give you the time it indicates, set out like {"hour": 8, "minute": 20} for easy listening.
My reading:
{"hour": 7, "minute": 52}
